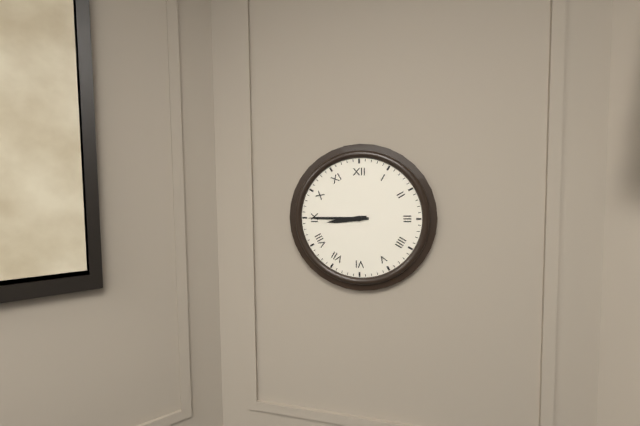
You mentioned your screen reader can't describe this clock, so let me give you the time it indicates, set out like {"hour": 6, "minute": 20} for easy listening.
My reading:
{"hour": 8, "minute": 45}
